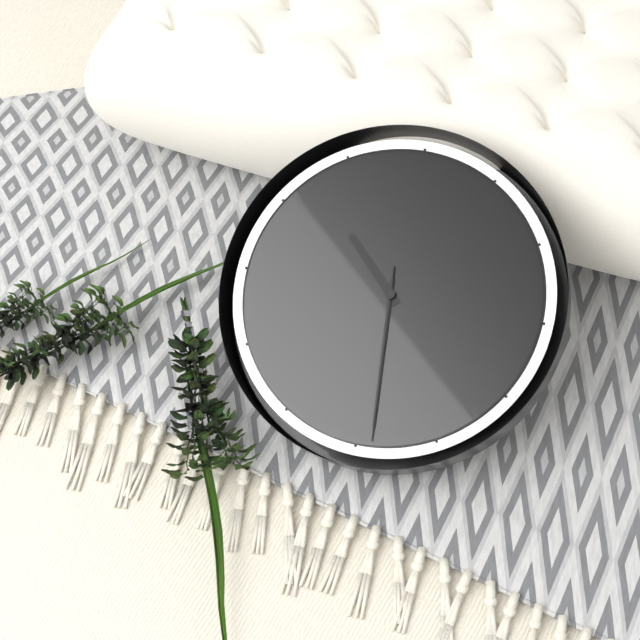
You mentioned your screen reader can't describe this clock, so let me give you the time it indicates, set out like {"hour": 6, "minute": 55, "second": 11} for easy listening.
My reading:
{"hour": 10, "minute": 29, "second": 29}
